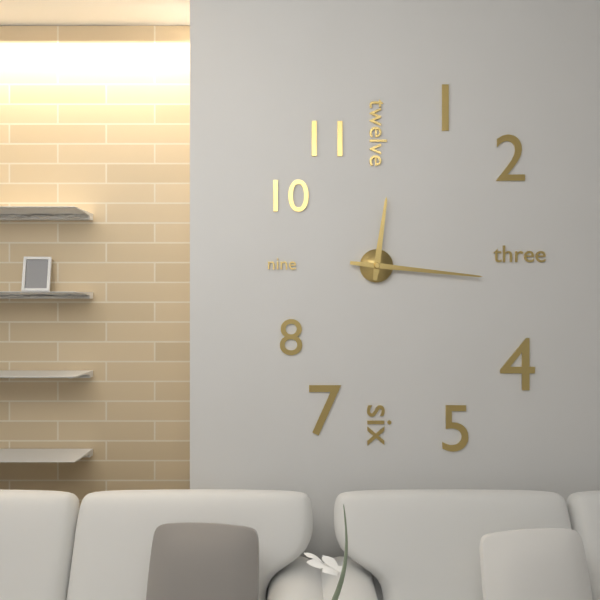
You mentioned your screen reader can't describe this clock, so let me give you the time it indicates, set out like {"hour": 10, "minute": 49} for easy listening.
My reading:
{"hour": 12, "minute": 16}
